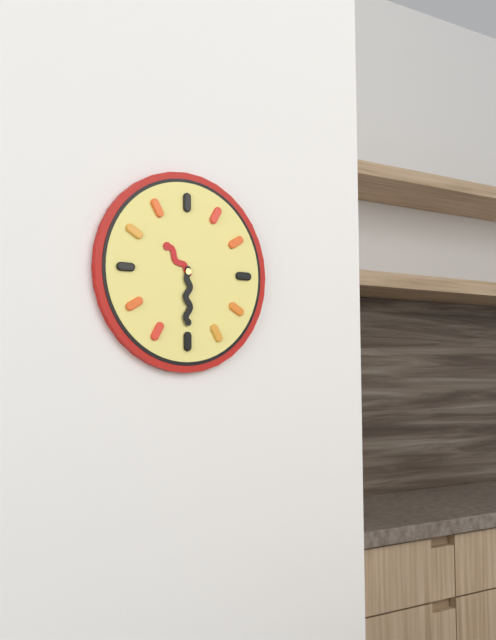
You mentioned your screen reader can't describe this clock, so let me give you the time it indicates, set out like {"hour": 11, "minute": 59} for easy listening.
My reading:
{"hour": 10, "minute": 30}
